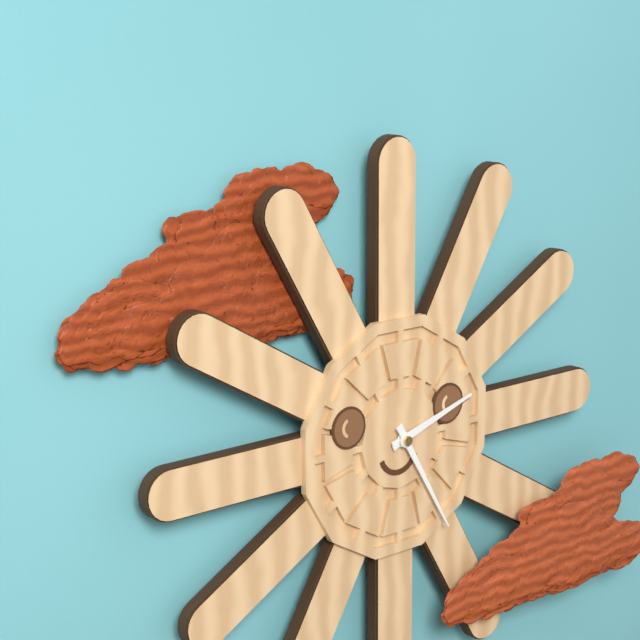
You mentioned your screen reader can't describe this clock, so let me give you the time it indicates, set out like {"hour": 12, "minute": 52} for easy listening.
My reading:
{"hour": 2, "minute": 25}
